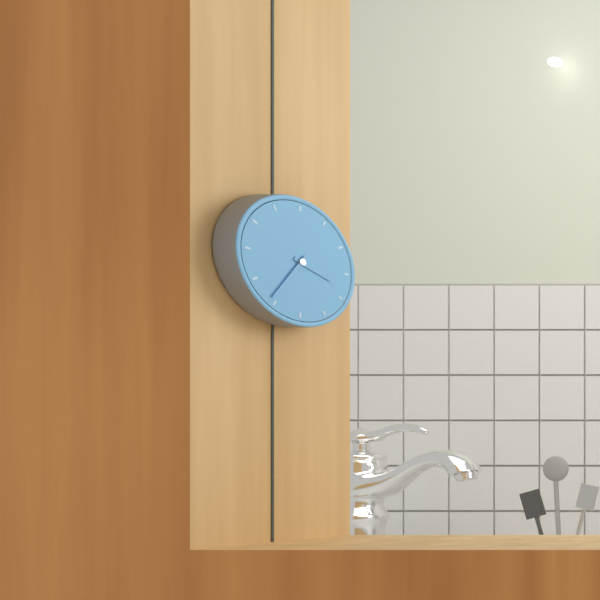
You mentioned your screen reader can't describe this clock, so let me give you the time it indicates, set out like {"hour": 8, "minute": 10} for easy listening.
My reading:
{"hour": 3, "minute": 36}
